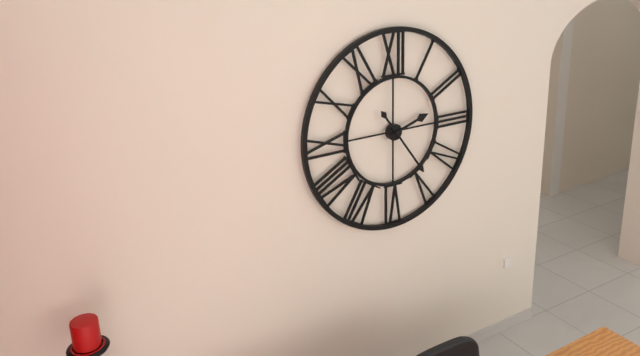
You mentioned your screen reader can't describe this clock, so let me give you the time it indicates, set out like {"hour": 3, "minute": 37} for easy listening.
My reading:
{"hour": 2, "minute": 24}
